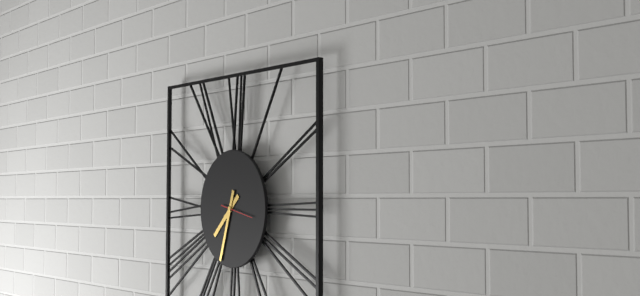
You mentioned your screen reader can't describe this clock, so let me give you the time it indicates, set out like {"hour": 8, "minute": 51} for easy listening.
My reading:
{"hour": 7, "minute": 33}
